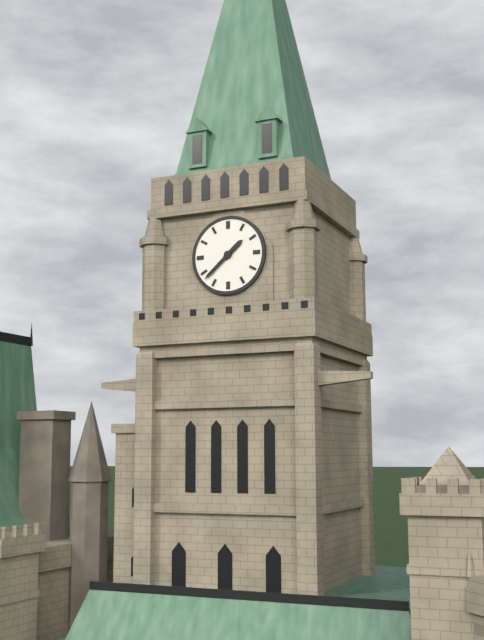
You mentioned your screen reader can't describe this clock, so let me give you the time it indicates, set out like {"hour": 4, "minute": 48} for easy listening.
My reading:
{"hour": 1, "minute": 38}
